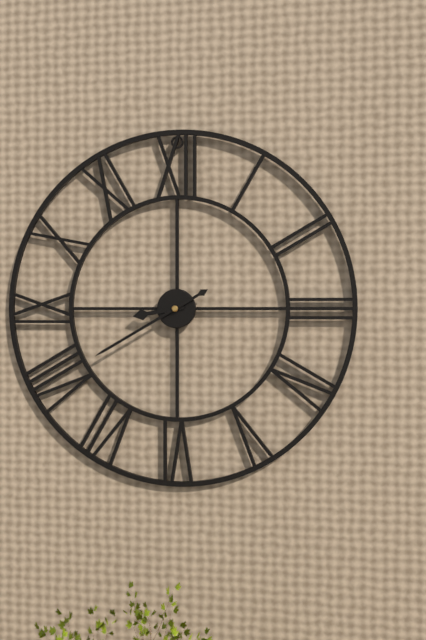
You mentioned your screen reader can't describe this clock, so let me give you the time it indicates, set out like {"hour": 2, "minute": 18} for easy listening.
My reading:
{"hour": 8, "minute": 40}
